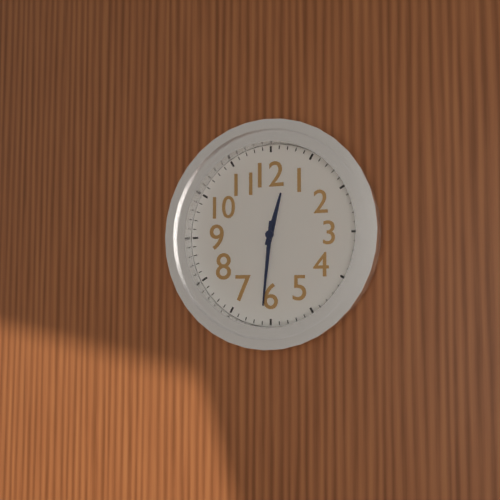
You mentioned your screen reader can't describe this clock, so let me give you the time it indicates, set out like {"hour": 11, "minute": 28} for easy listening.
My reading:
{"hour": 12, "minute": 31}
